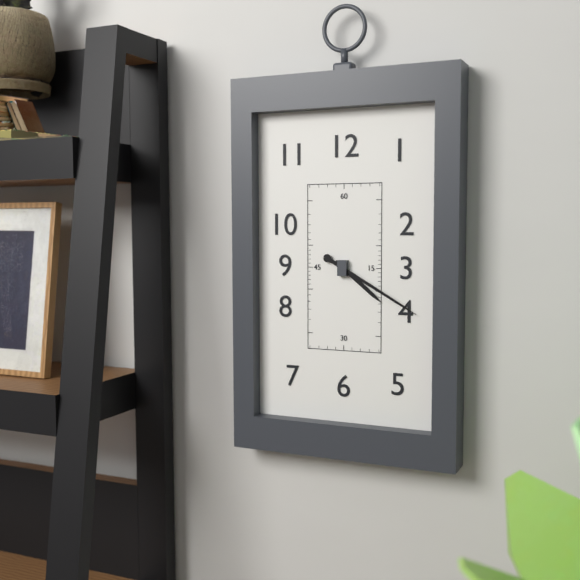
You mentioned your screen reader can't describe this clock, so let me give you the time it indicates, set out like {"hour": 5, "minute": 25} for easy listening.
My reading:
{"hour": 4, "minute": 20}
